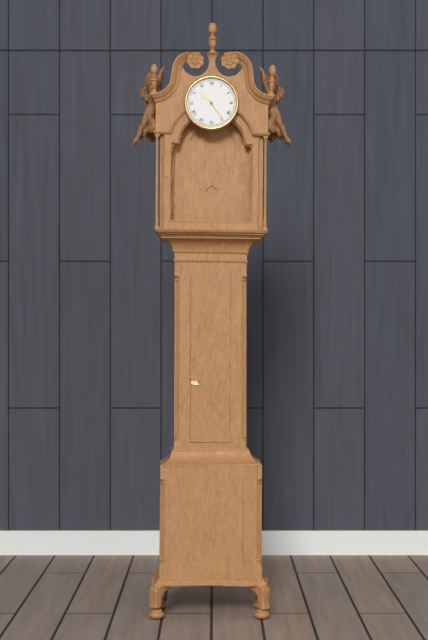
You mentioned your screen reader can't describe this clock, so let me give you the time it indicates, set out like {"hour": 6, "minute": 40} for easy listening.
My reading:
{"hour": 10, "minute": 24}
